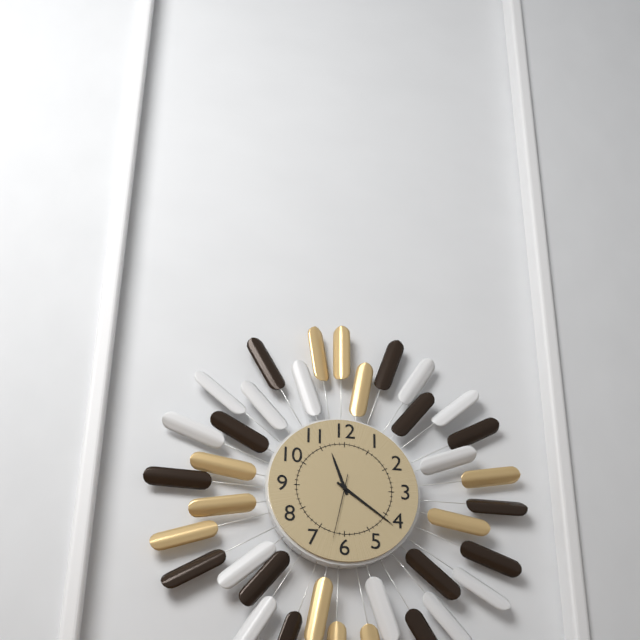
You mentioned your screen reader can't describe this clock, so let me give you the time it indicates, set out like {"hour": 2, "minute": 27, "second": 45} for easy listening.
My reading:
{"hour": 11, "minute": 21, "second": 32}
